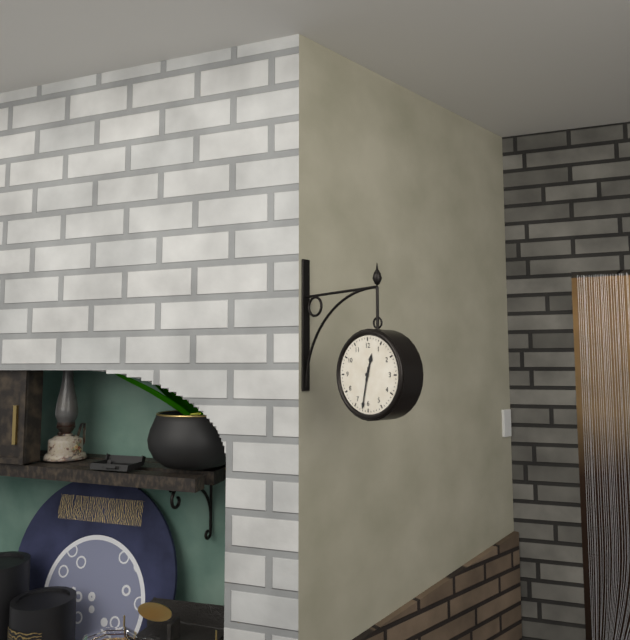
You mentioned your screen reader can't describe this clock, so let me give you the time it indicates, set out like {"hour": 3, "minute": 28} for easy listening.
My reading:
{"hour": 12, "minute": 32}
